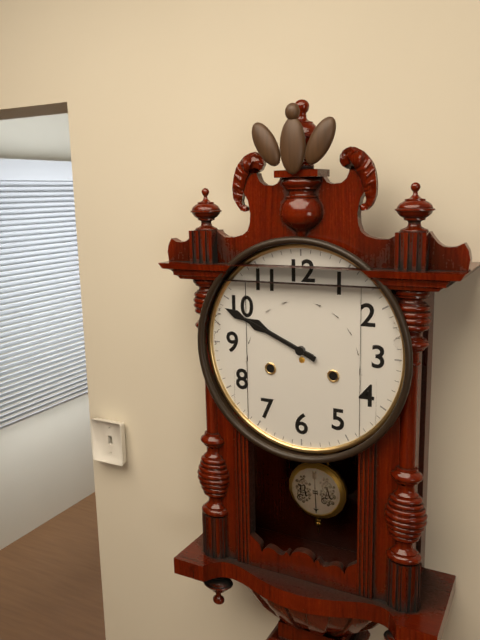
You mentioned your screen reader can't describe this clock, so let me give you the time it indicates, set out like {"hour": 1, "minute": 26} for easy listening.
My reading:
{"hour": 9, "minute": 49}
